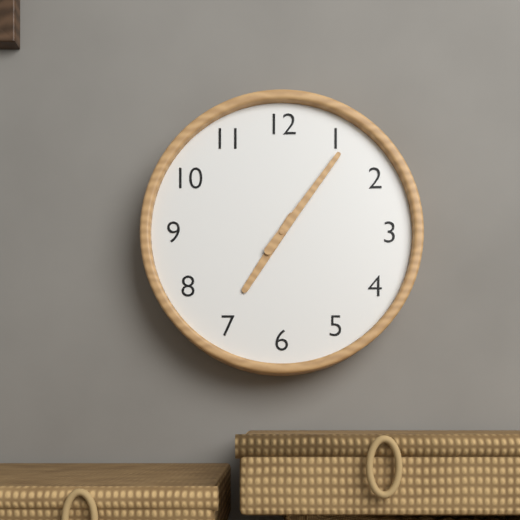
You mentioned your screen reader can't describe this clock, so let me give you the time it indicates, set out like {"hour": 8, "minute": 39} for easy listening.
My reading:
{"hour": 7, "minute": 6}
